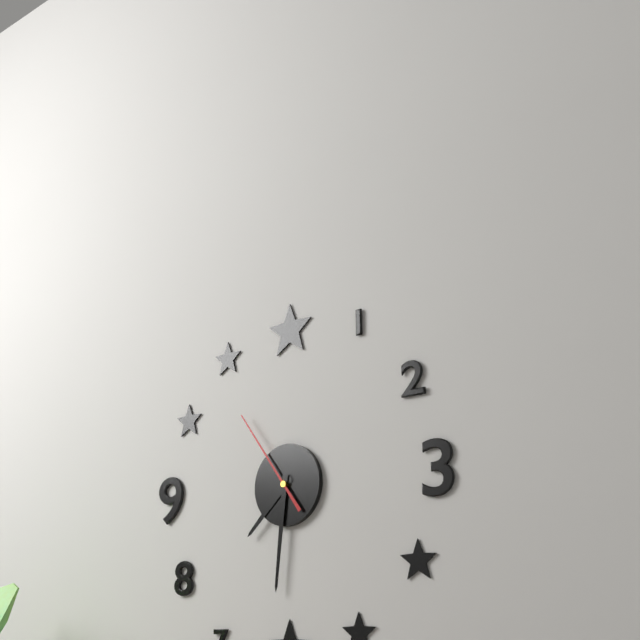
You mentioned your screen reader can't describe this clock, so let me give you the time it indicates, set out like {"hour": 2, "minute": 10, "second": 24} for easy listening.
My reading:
{"hour": 7, "minute": 31, "second": 54}
